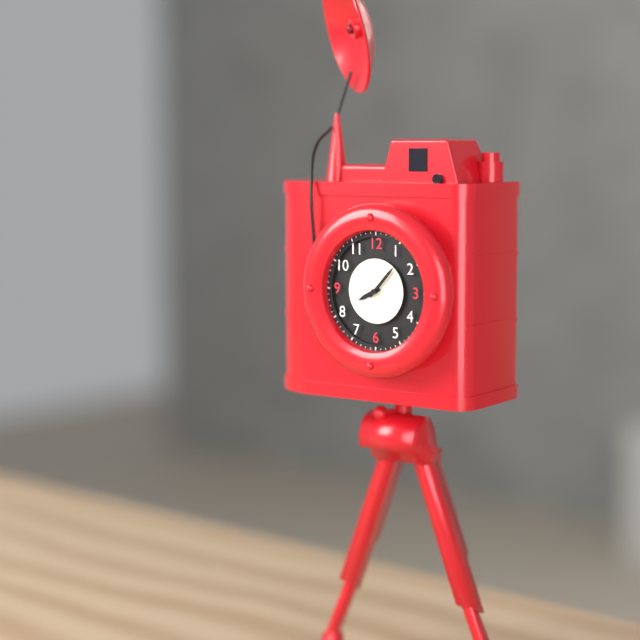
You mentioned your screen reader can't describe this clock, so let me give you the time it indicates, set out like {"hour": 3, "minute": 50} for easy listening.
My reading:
{"hour": 8, "minute": 7}
